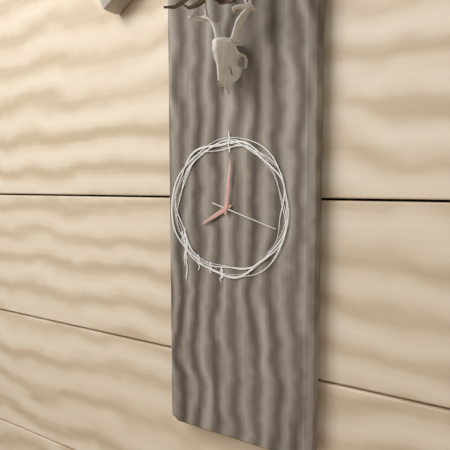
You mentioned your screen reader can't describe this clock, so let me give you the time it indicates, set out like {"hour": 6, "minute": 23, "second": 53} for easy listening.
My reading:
{"hour": 8, "minute": 1, "second": 18}
